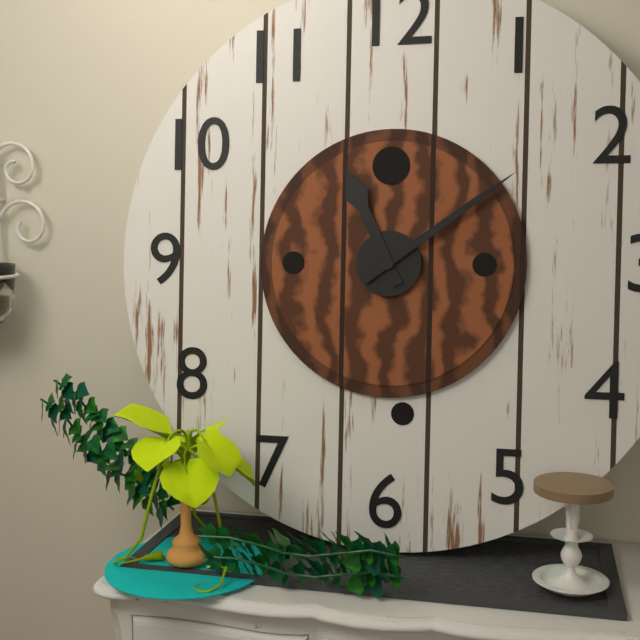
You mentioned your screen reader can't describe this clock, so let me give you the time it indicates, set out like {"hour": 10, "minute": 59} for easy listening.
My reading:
{"hour": 11, "minute": 9}
